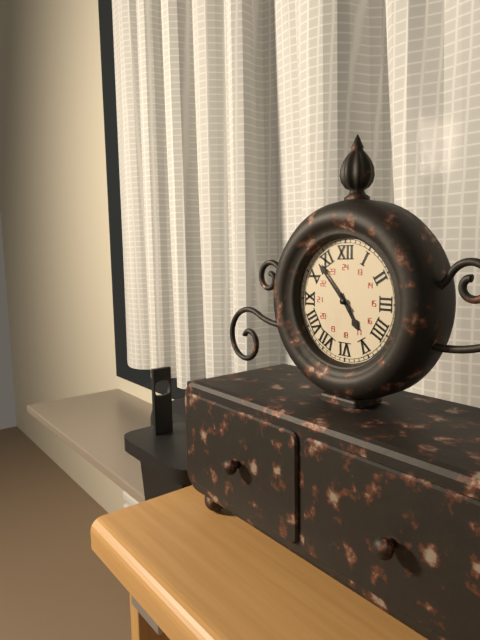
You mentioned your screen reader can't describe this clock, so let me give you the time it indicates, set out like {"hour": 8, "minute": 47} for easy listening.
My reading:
{"hour": 4, "minute": 53}
